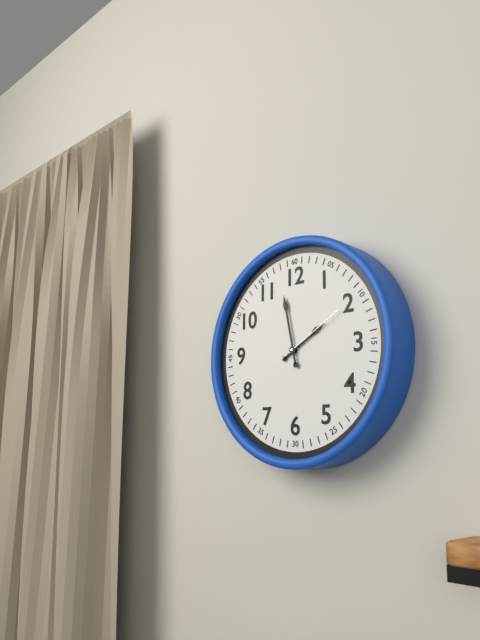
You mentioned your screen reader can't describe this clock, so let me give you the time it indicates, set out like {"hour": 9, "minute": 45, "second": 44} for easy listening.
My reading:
{"hour": 1, "minute": 58, "second": 10}
